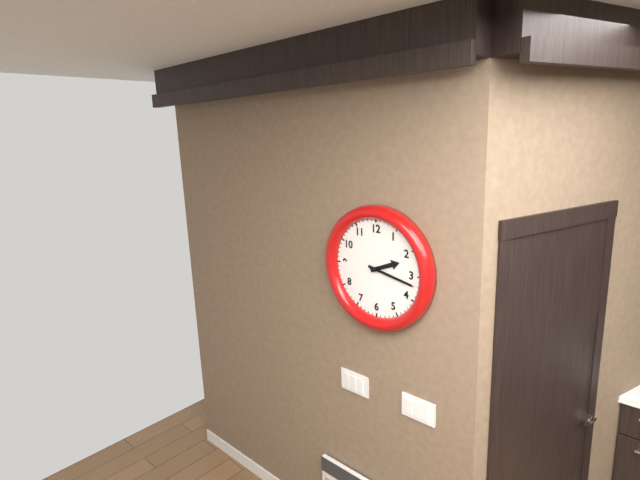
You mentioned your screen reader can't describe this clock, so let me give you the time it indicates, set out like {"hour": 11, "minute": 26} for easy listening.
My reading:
{"hour": 2, "minute": 17}
